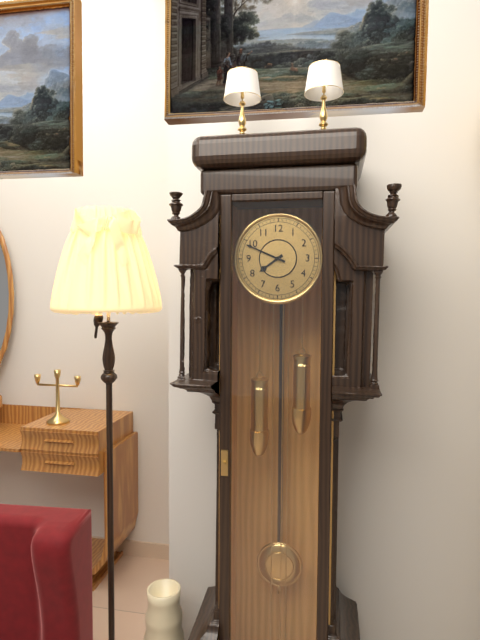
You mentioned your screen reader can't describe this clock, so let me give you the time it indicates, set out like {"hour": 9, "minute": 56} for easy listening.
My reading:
{"hour": 7, "minute": 49}
